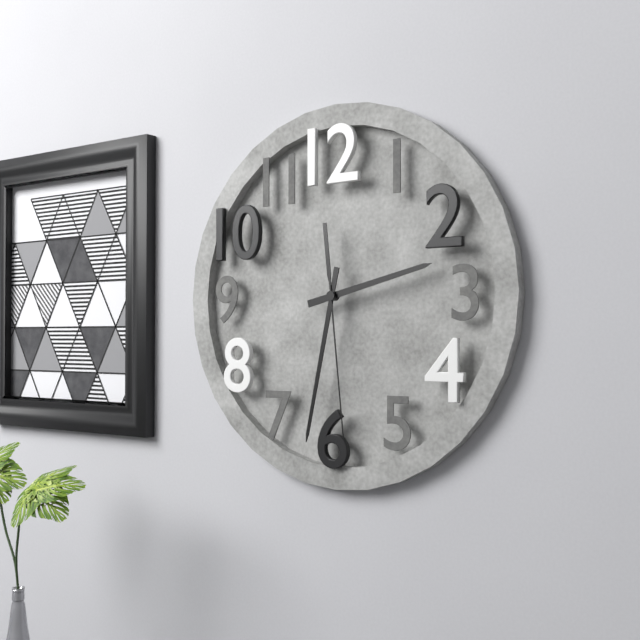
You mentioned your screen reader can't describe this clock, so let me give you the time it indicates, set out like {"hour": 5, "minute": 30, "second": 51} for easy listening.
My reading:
{"hour": 2, "minute": 32, "second": 29}
